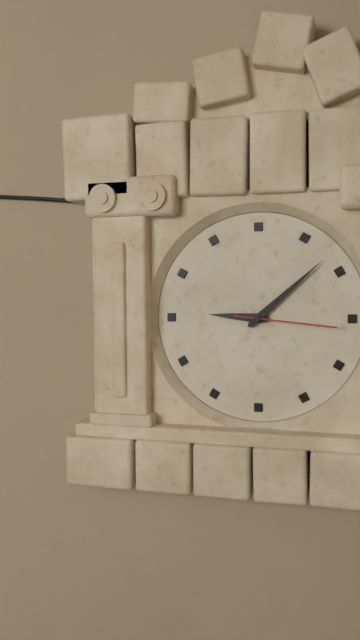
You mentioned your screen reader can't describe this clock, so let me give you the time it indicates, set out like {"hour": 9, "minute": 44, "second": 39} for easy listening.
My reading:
{"hour": 9, "minute": 8, "second": 16}
